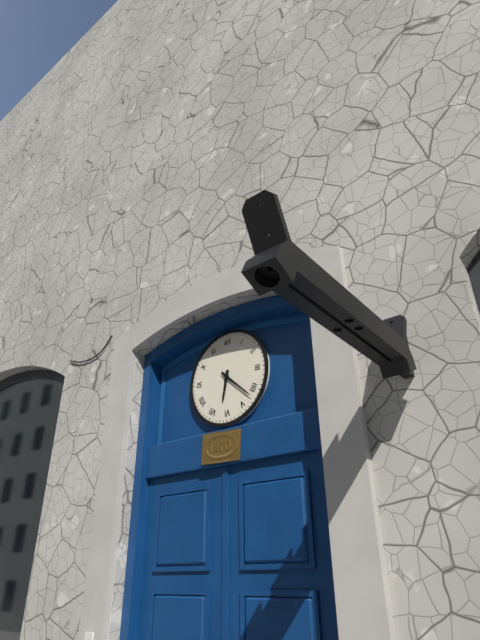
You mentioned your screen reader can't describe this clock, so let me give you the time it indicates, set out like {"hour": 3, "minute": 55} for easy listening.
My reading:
{"hour": 6, "minute": 22}
